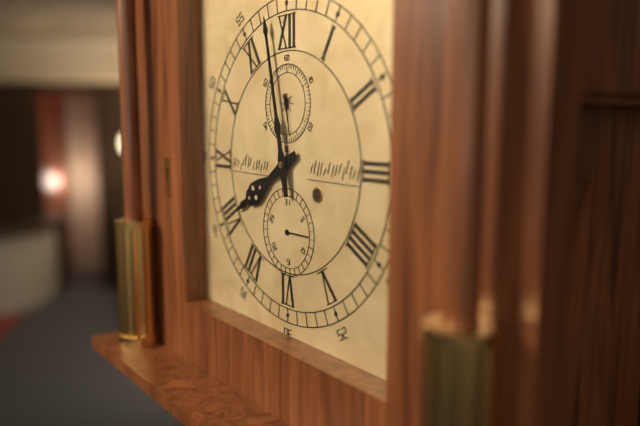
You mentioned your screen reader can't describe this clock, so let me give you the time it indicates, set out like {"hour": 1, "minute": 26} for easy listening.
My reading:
{"hour": 7, "minute": 58}
